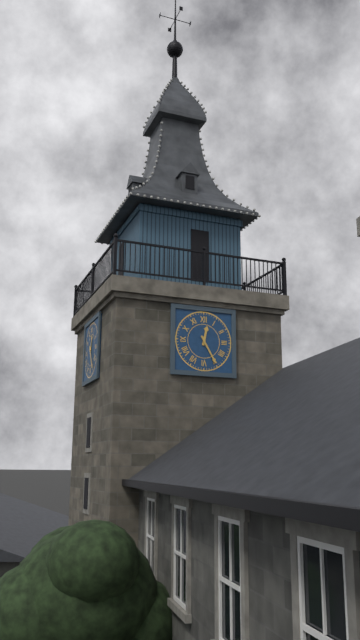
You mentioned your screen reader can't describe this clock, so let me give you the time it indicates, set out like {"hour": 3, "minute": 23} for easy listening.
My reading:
{"hour": 12, "minute": 25}
